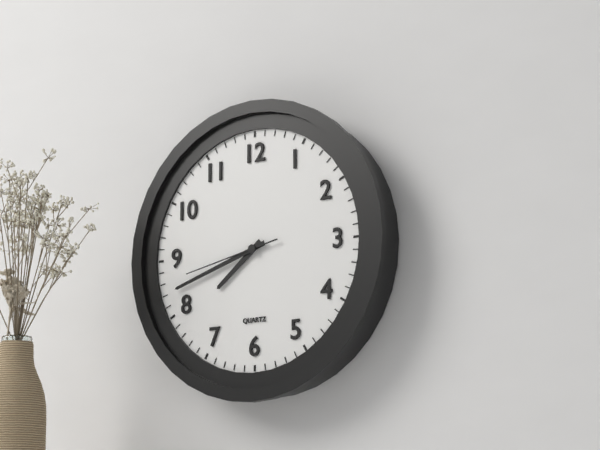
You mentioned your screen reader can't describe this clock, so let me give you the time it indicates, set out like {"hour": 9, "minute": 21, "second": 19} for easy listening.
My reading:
{"hour": 7, "minute": 42, "second": 43}
